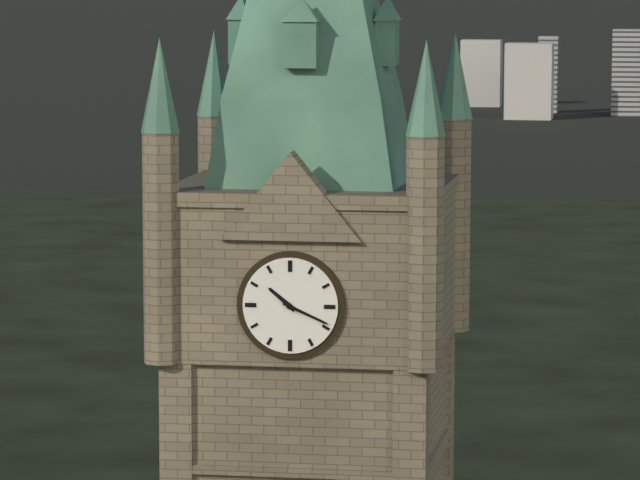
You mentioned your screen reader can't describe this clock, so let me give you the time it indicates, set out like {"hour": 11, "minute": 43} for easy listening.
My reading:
{"hour": 10, "minute": 19}
